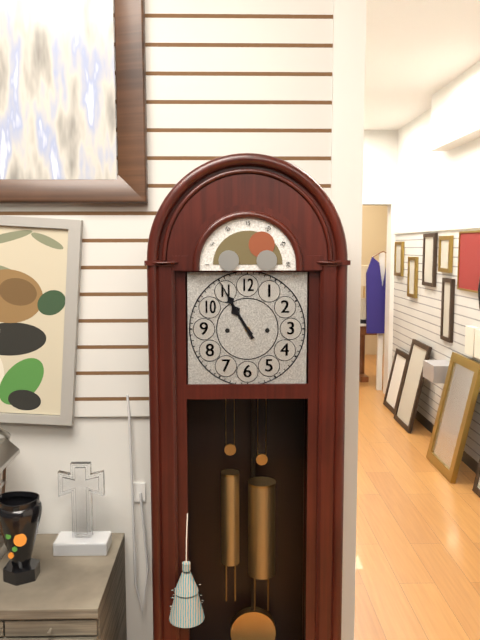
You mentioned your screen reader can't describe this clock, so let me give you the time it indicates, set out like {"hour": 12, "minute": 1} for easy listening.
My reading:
{"hour": 10, "minute": 55}
